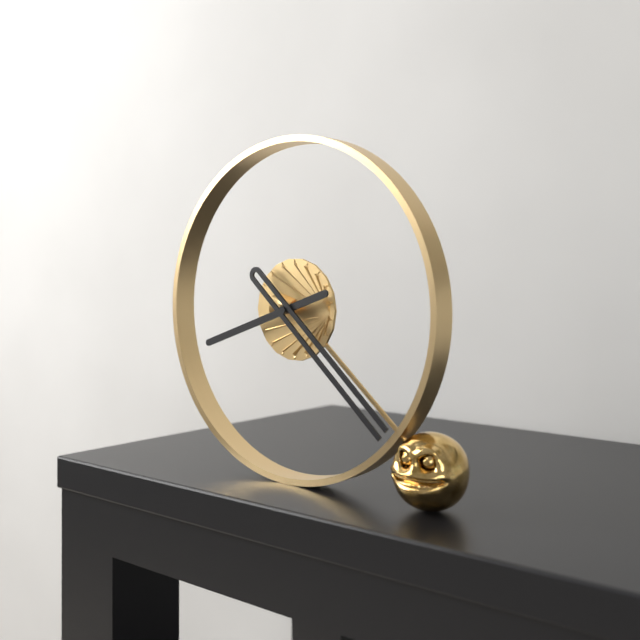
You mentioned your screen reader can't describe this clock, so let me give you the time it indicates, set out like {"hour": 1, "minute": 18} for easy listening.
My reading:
{"hour": 8, "minute": 22}
